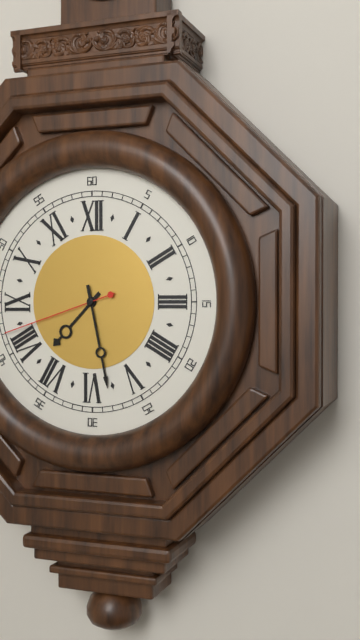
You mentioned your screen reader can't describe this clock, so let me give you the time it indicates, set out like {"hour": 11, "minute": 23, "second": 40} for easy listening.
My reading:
{"hour": 7, "minute": 28, "second": 42}
